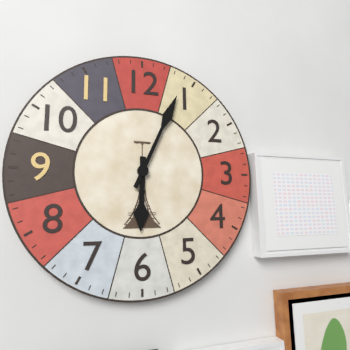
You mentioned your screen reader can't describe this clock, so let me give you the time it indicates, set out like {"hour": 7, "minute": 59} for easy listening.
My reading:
{"hour": 6, "minute": 4}
